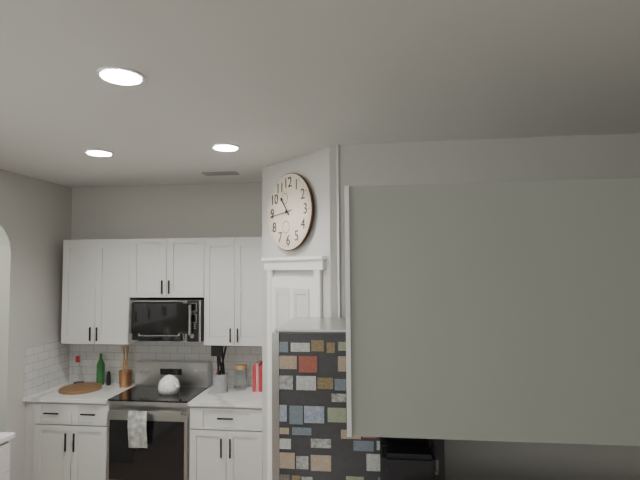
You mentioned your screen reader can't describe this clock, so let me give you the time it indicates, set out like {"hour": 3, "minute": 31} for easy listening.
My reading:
{"hour": 10, "minute": 44}
